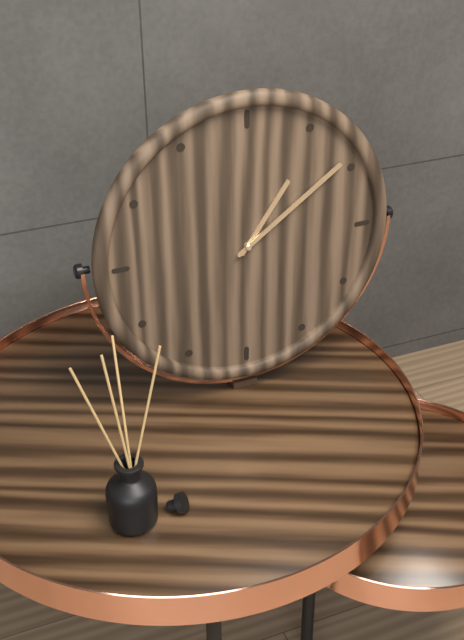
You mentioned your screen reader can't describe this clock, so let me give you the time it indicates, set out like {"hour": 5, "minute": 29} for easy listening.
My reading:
{"hour": 1, "minute": 9}
